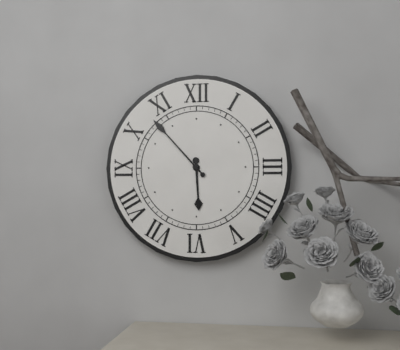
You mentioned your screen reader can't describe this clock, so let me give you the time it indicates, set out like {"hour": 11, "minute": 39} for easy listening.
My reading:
{"hour": 5, "minute": 53}
